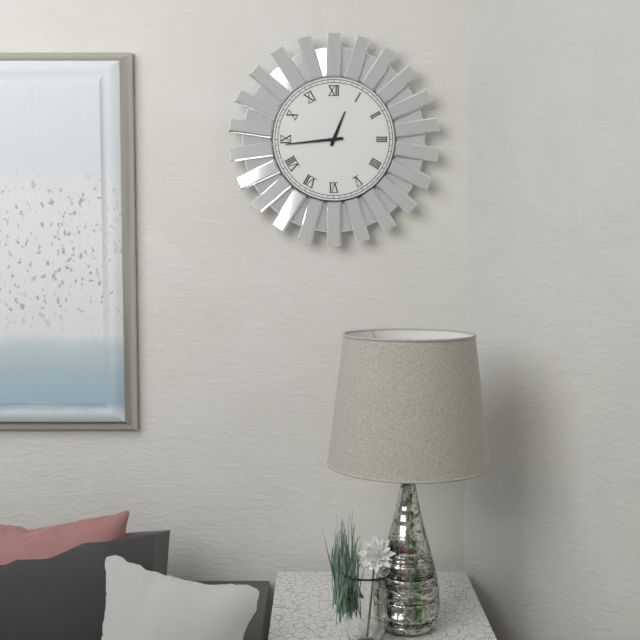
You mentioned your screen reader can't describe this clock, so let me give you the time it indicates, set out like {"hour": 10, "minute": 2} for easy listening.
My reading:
{"hour": 12, "minute": 44}
